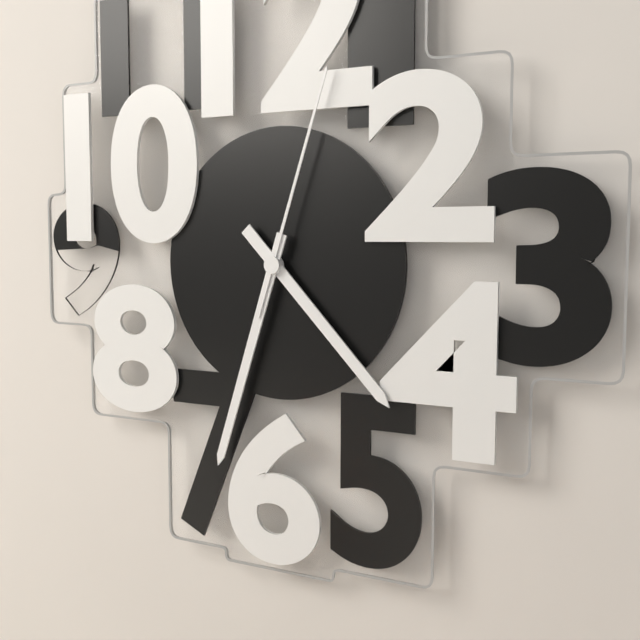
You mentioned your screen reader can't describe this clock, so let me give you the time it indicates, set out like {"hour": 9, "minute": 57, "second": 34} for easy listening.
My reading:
{"hour": 4, "minute": 33, "second": 3}
